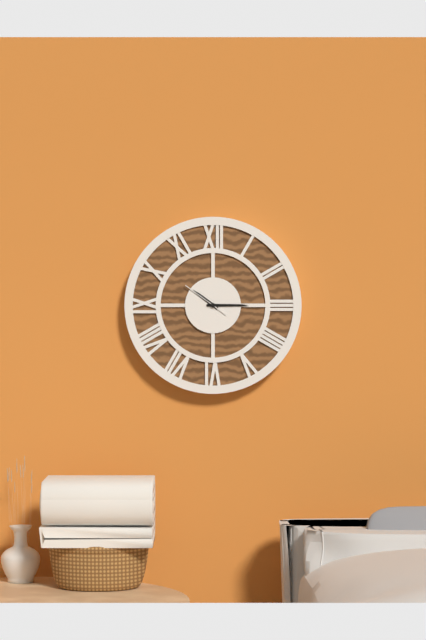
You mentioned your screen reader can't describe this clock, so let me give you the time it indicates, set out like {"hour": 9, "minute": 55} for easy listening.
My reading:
{"hour": 10, "minute": 15}
